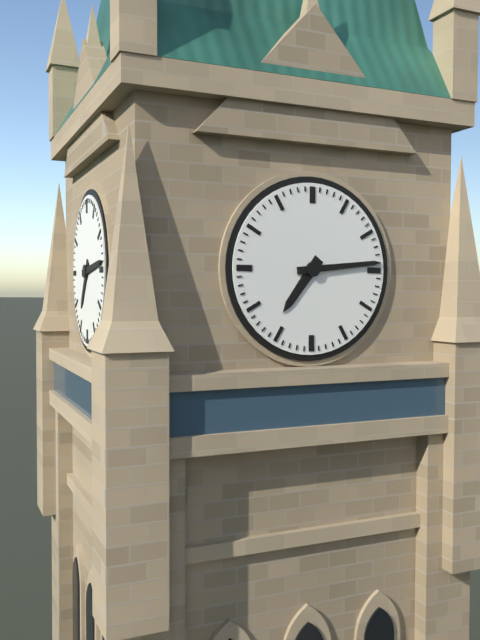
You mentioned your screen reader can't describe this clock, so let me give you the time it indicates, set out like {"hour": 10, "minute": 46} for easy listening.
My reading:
{"hour": 7, "minute": 14}
